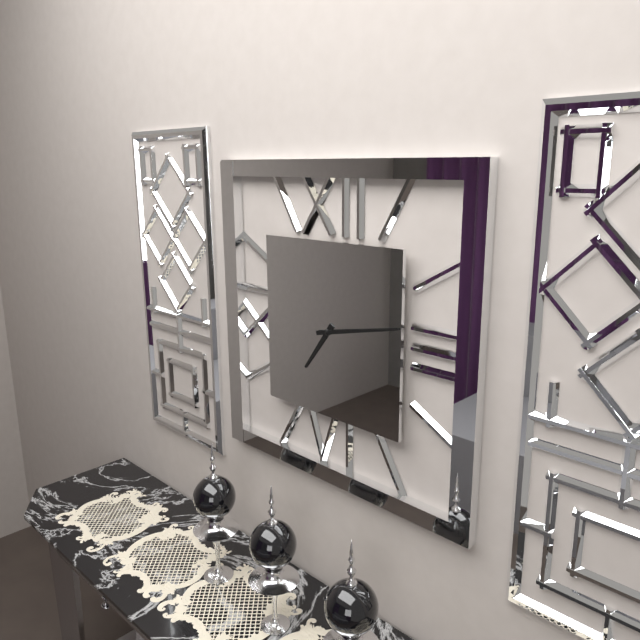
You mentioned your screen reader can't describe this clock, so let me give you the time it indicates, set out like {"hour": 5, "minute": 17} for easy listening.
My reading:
{"hour": 7, "minute": 13}
